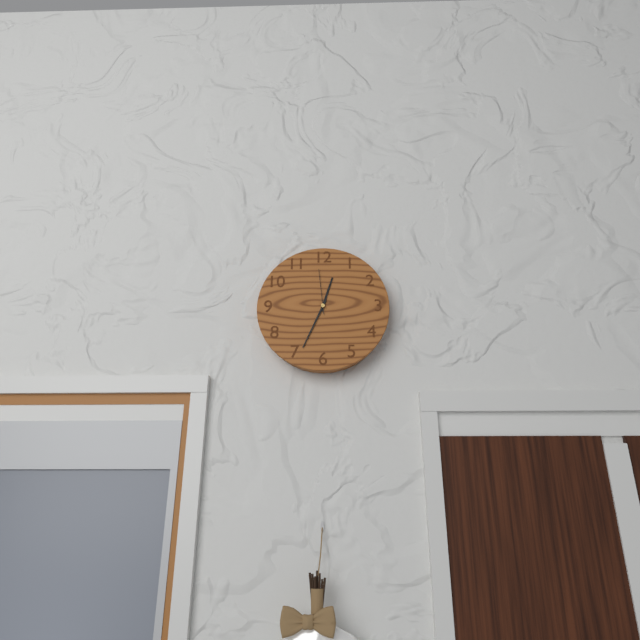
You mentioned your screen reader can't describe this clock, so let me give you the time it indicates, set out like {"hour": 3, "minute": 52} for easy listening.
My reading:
{"hour": 12, "minute": 34}
